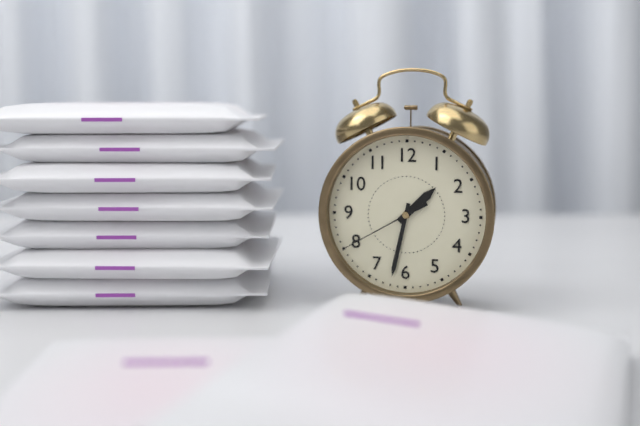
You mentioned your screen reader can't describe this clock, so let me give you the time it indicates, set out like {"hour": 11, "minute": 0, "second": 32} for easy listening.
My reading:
{"hour": 1, "minute": 32, "second": 40}
